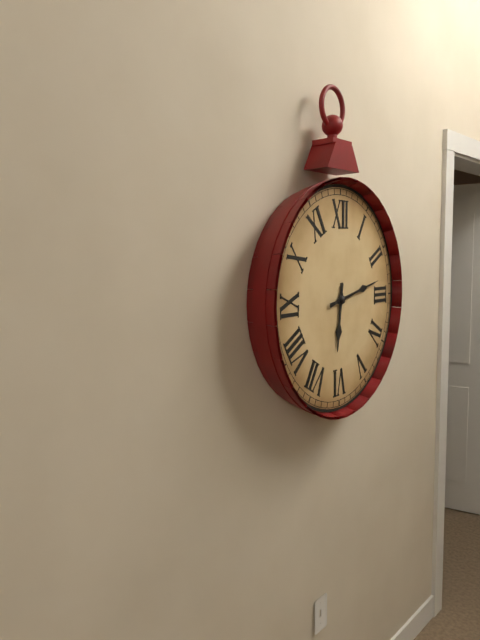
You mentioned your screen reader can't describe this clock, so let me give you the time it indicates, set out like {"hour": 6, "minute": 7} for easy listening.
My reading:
{"hour": 6, "minute": 13}
